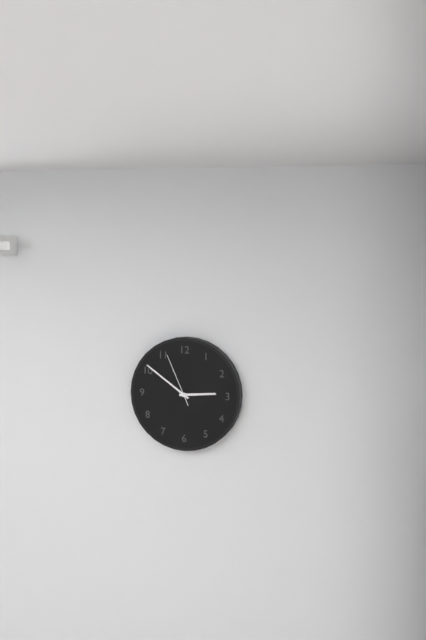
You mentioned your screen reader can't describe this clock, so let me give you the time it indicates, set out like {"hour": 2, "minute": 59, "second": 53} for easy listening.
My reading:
{"hour": 2, "minute": 51, "second": 56}
